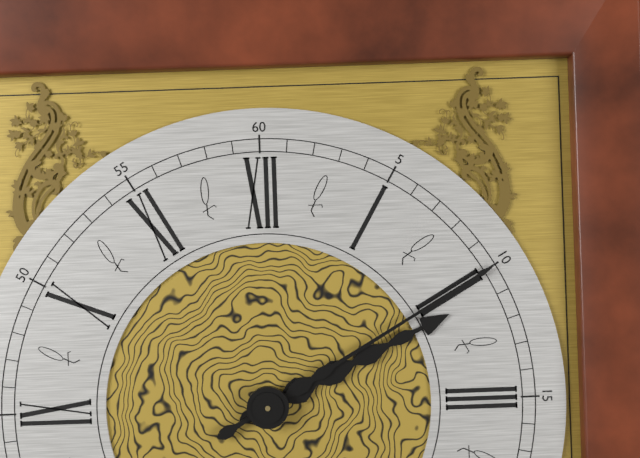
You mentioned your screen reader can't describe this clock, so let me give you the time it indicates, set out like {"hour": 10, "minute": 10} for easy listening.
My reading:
{"hour": 2, "minute": 10}
